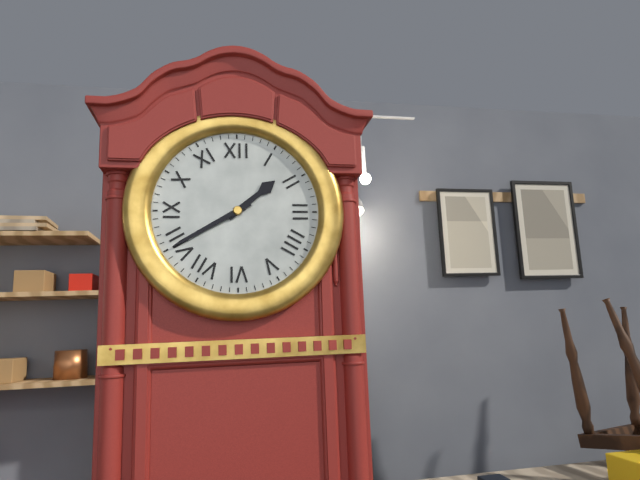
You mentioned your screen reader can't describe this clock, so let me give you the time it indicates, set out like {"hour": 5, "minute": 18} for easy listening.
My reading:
{"hour": 1, "minute": 40}
